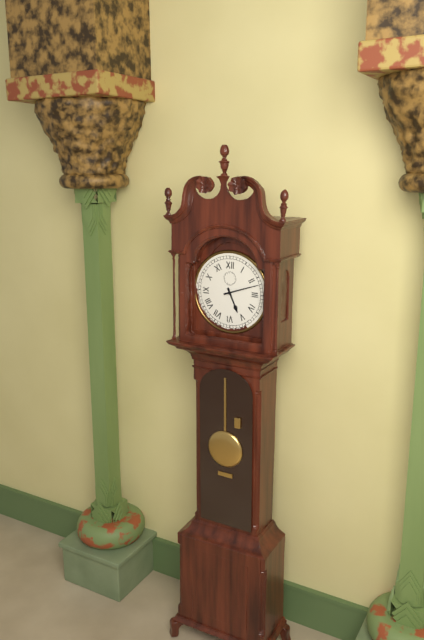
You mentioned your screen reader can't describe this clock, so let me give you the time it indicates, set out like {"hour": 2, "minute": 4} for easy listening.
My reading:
{"hour": 5, "minute": 12}
